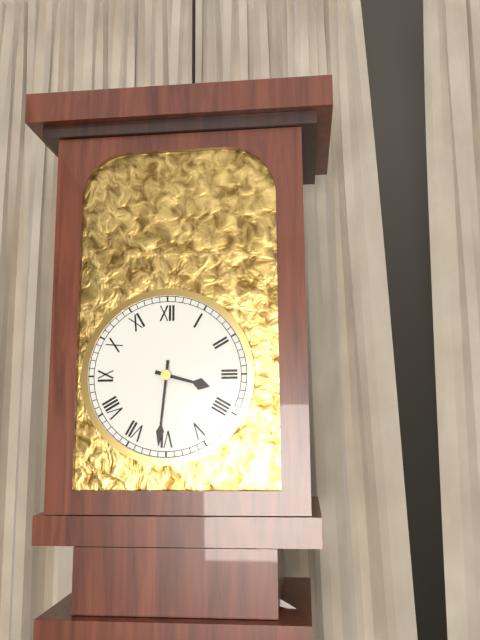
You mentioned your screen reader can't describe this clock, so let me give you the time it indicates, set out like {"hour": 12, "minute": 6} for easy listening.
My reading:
{"hour": 3, "minute": 31}
